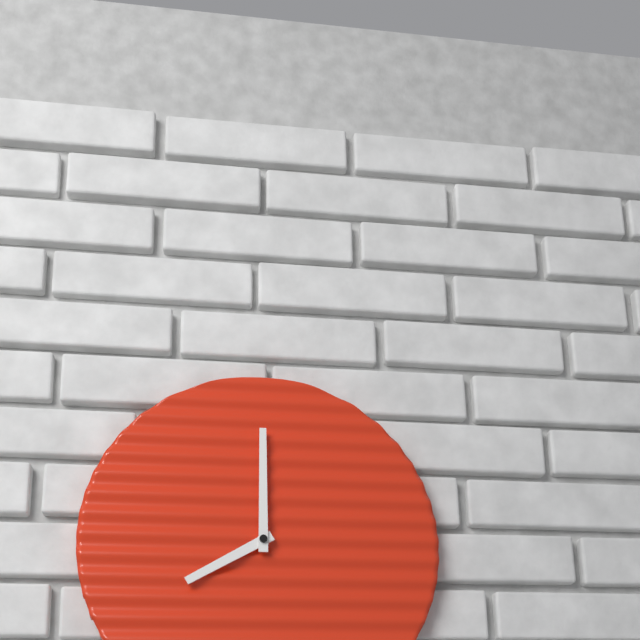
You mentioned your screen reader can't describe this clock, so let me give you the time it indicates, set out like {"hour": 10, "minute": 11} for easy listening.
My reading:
{"hour": 8, "minute": 0}
